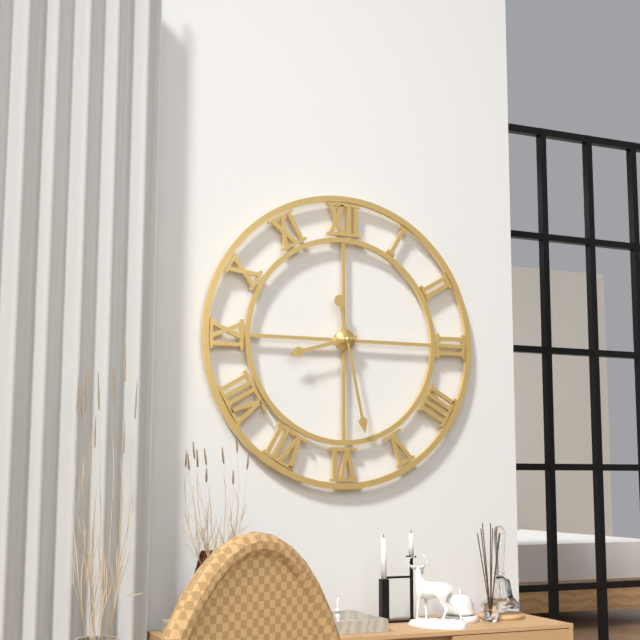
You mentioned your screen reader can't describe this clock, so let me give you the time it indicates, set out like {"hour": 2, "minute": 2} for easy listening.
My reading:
{"hour": 8, "minute": 28}
